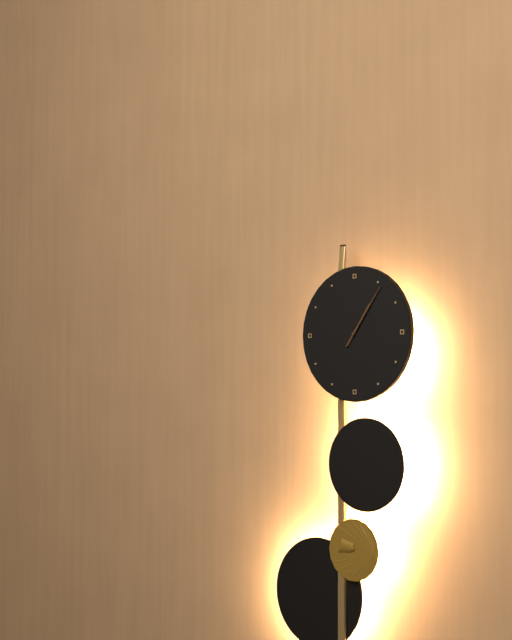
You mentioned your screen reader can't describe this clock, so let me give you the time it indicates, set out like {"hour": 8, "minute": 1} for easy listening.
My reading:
{"hour": 1, "minute": 6}
